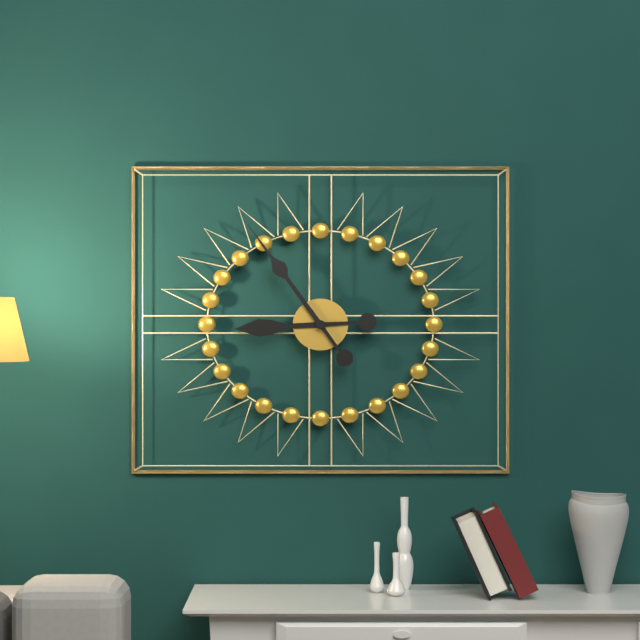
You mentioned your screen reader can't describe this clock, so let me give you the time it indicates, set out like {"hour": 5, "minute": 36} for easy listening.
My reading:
{"hour": 8, "minute": 54}
